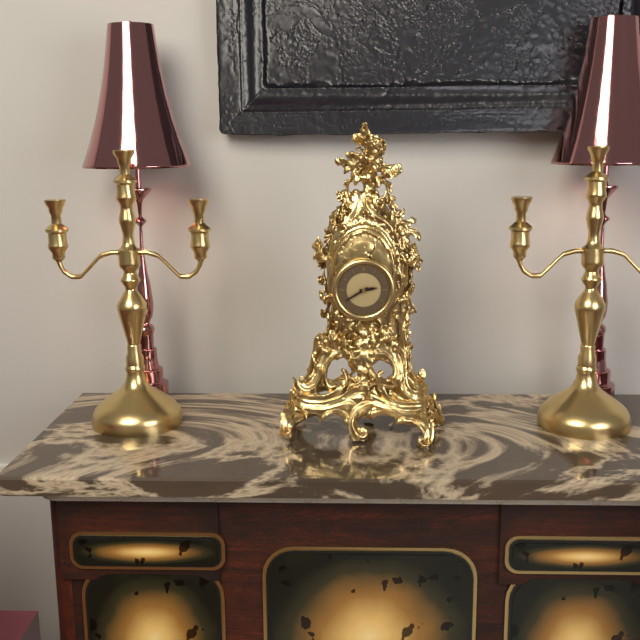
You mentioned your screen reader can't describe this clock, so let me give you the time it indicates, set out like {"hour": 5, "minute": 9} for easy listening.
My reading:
{"hour": 2, "minute": 40}
